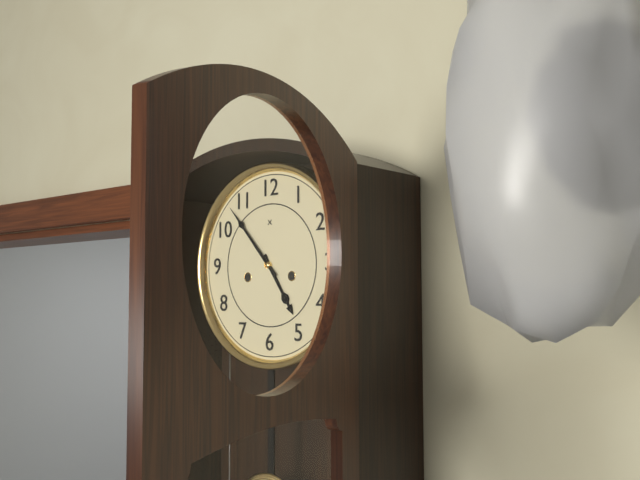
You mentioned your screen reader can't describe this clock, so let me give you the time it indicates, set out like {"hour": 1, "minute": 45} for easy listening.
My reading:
{"hour": 4, "minute": 53}
